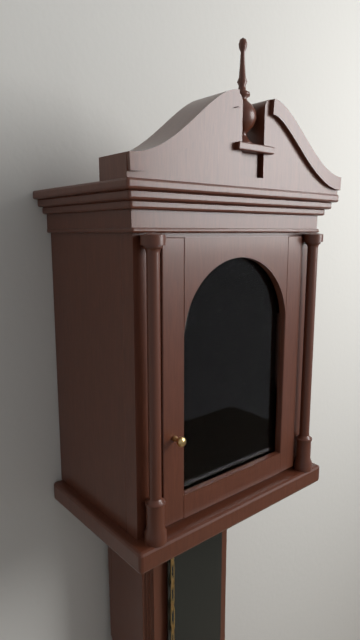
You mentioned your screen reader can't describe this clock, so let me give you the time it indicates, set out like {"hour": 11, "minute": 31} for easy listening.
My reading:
{"hour": 11, "minute": 44}
